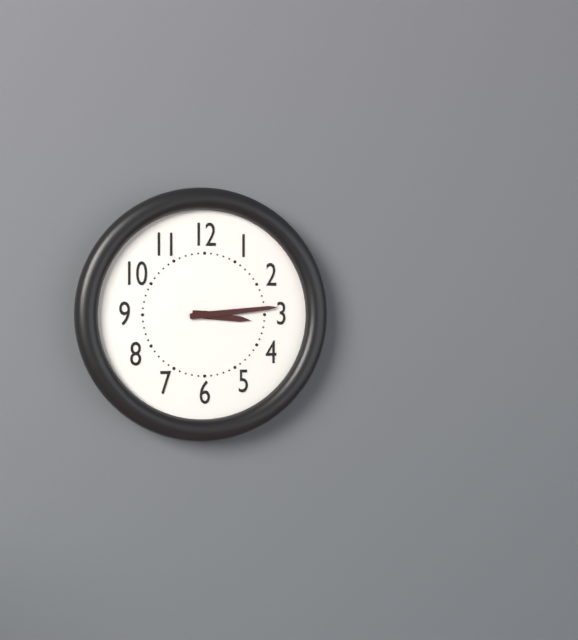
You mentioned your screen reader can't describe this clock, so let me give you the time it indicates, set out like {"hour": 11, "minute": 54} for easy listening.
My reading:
{"hour": 3, "minute": 14}
